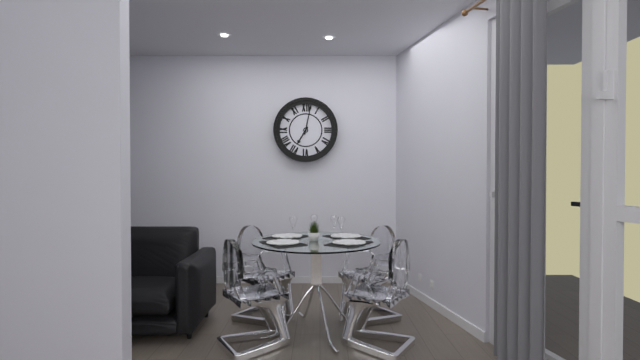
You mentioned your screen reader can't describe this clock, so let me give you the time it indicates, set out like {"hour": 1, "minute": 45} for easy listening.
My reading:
{"hour": 7, "minute": 2}
